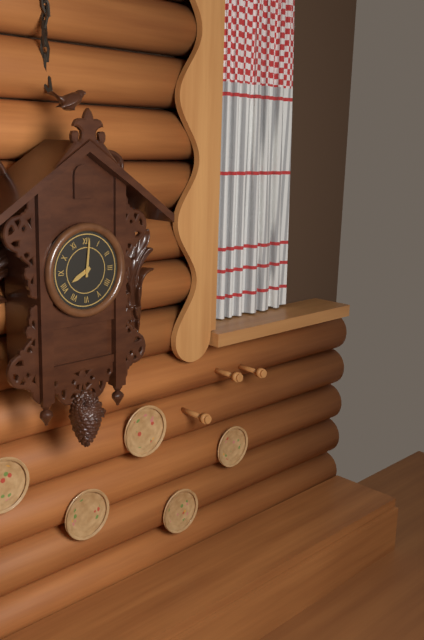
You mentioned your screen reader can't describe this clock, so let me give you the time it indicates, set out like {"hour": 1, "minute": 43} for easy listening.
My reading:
{"hour": 8, "minute": 1}
